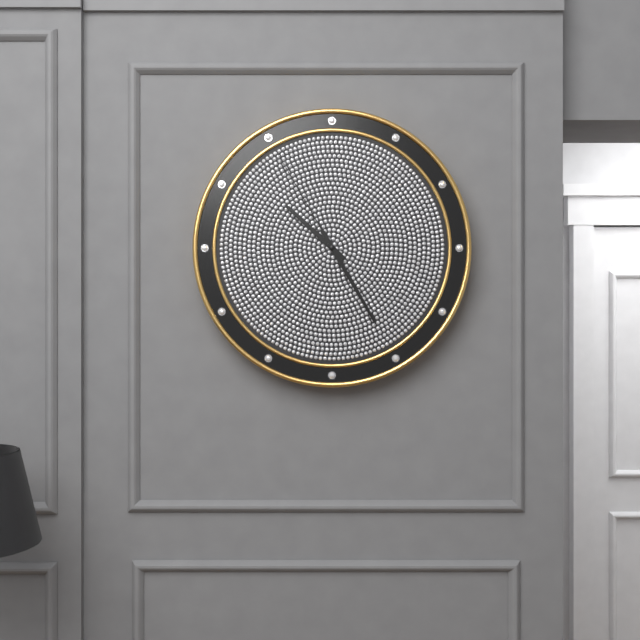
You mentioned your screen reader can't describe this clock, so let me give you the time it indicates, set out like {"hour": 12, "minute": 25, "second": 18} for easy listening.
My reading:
{"hour": 10, "minute": 25, "second": 55}
